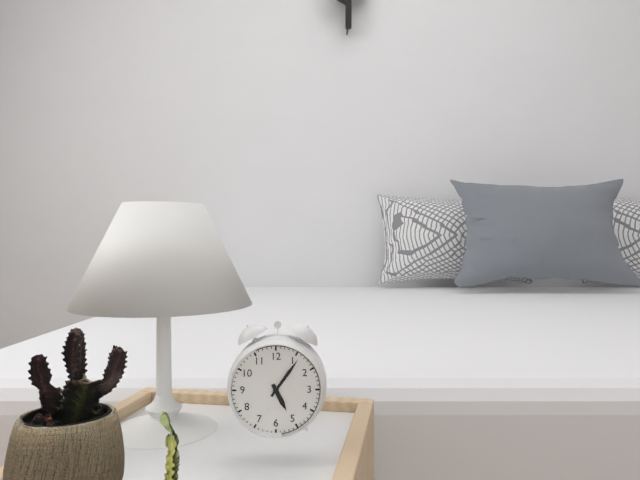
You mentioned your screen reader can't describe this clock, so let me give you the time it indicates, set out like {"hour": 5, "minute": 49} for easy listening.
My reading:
{"hour": 5, "minute": 6}
